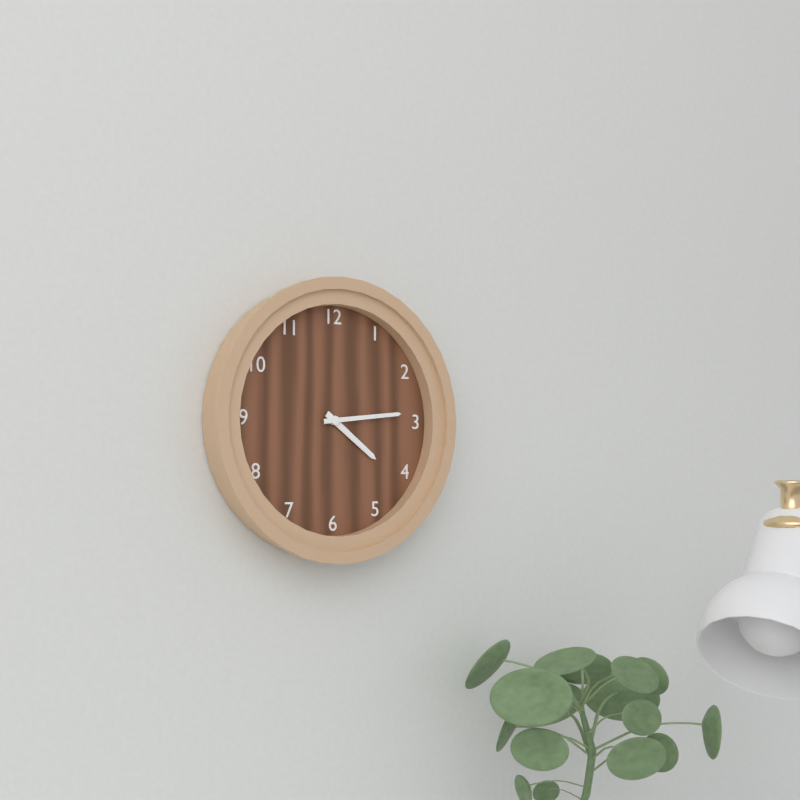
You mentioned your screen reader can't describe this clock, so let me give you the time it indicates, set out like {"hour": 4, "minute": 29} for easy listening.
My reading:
{"hour": 4, "minute": 14}
